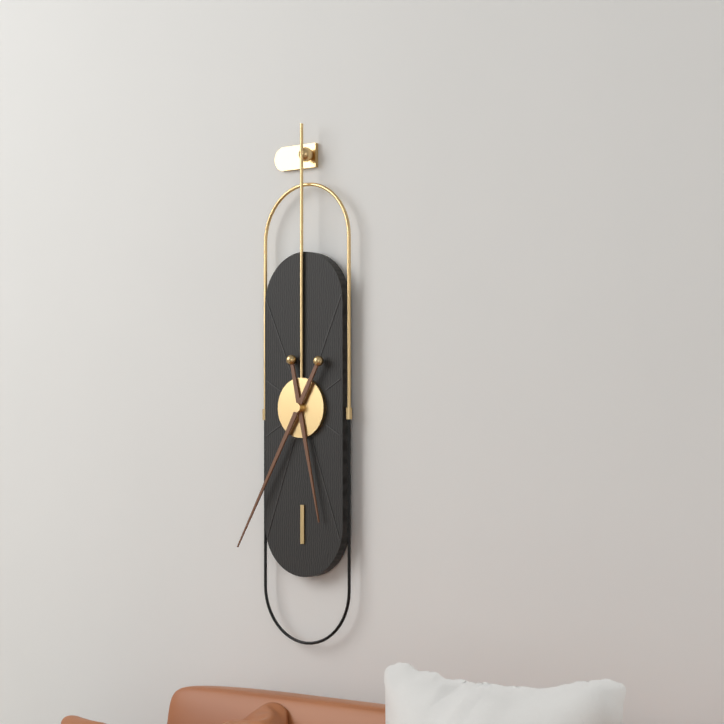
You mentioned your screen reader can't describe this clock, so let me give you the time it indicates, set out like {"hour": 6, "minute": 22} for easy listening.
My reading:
{"hour": 5, "minute": 35}
